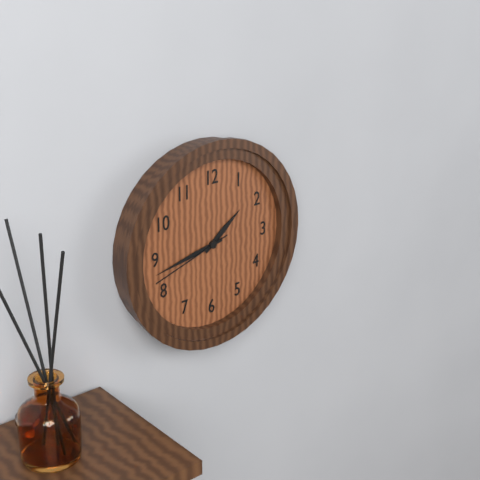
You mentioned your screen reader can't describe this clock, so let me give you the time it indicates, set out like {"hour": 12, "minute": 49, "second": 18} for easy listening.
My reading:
{"hour": 1, "minute": 43, "second": 42}
